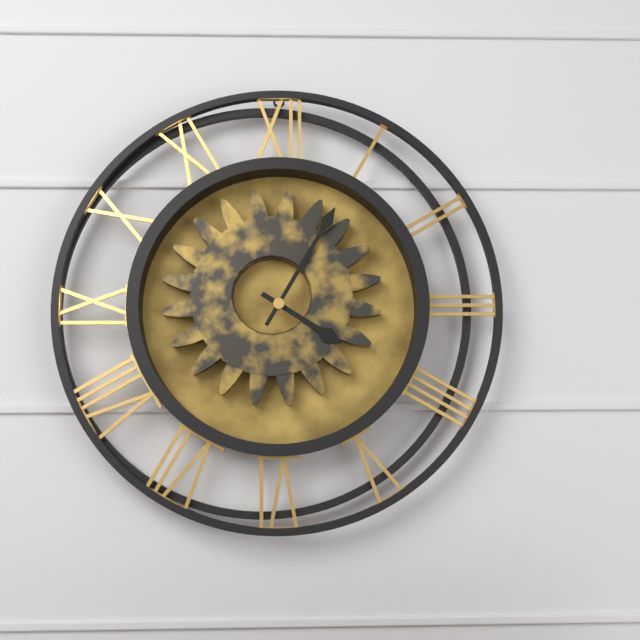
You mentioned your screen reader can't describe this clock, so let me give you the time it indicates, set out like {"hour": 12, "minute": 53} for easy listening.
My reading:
{"hour": 4, "minute": 5}
